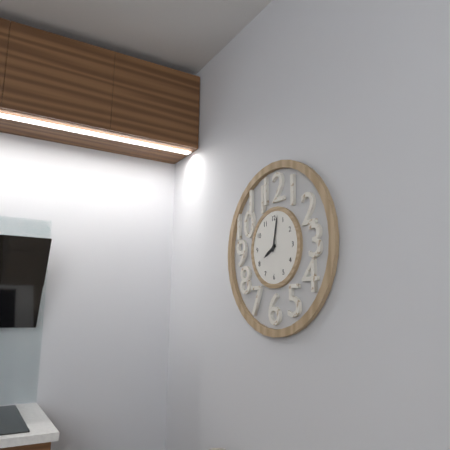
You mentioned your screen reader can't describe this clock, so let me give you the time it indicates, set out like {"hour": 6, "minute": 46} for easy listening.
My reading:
{"hour": 8, "minute": 2}
